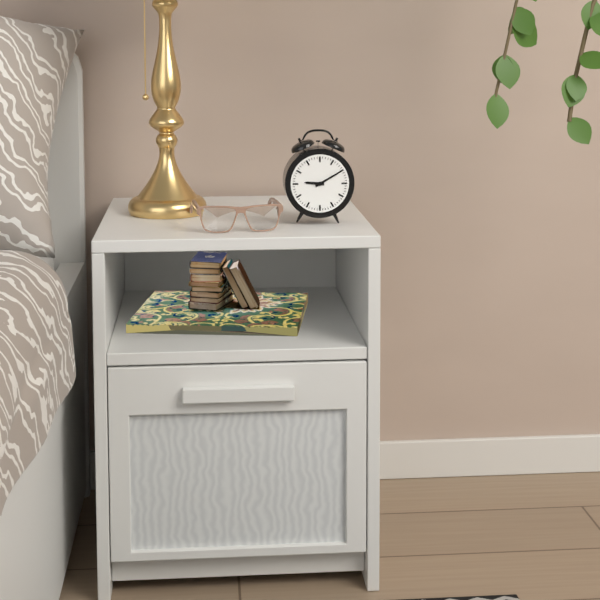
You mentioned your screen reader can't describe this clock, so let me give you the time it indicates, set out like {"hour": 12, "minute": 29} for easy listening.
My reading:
{"hour": 9, "minute": 10}
